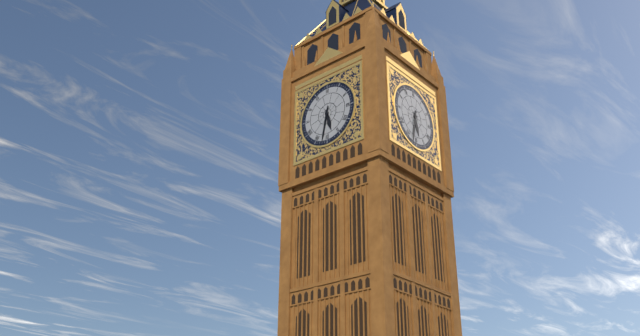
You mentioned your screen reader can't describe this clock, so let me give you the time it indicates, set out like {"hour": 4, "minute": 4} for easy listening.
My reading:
{"hour": 5, "minute": 32}
